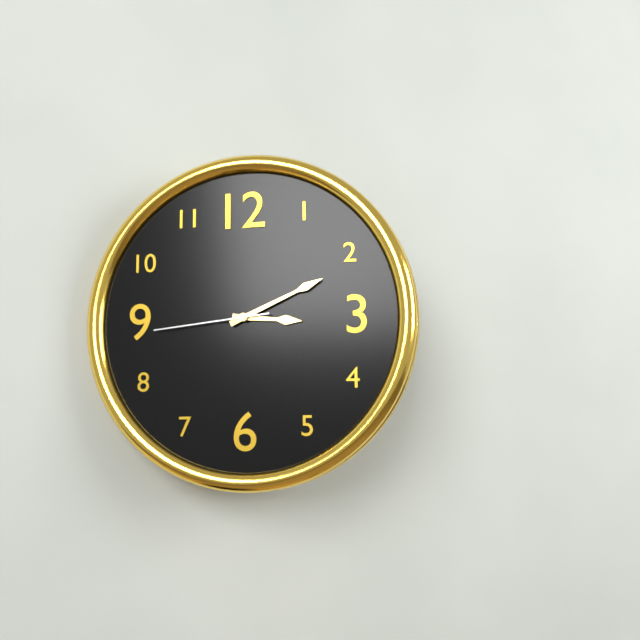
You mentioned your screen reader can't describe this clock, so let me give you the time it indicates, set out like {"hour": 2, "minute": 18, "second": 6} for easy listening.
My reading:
{"hour": 3, "minute": 11, "second": 44}
